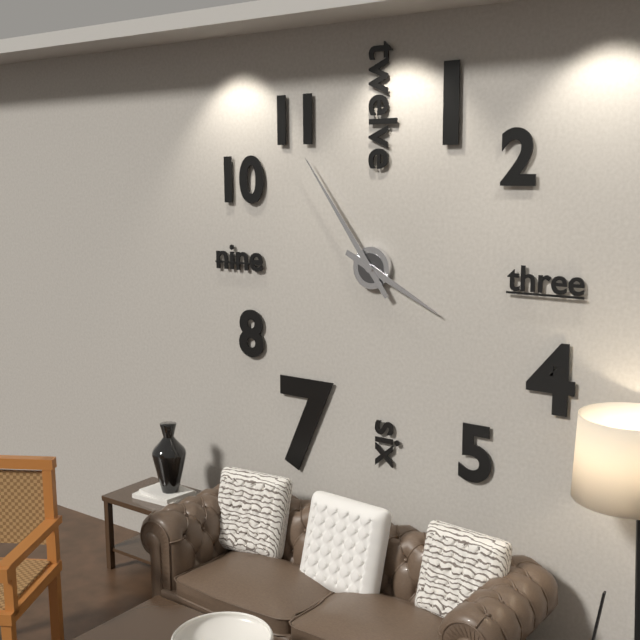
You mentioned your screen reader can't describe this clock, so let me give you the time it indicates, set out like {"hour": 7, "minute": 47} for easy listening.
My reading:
{"hour": 3, "minute": 54}
